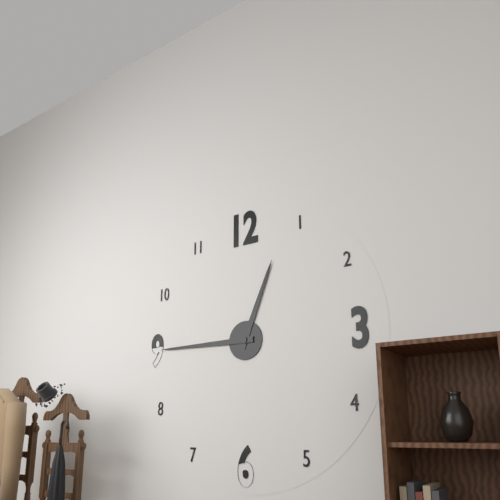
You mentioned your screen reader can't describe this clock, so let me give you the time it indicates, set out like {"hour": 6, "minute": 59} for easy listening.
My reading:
{"hour": 12, "minute": 45}
